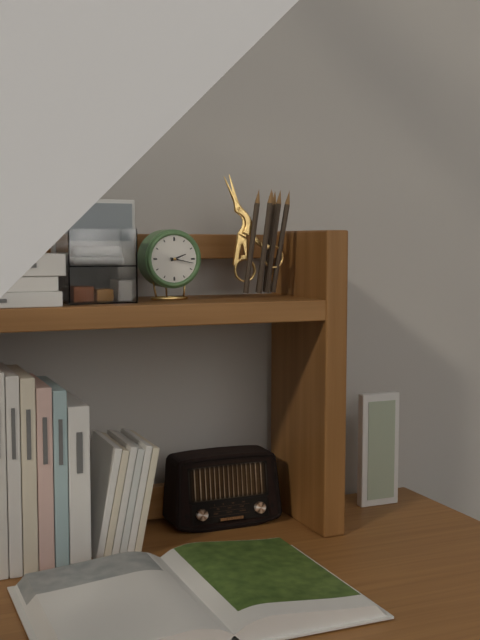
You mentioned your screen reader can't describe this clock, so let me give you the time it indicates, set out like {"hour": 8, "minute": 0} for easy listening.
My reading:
{"hour": 2, "minute": 17}
